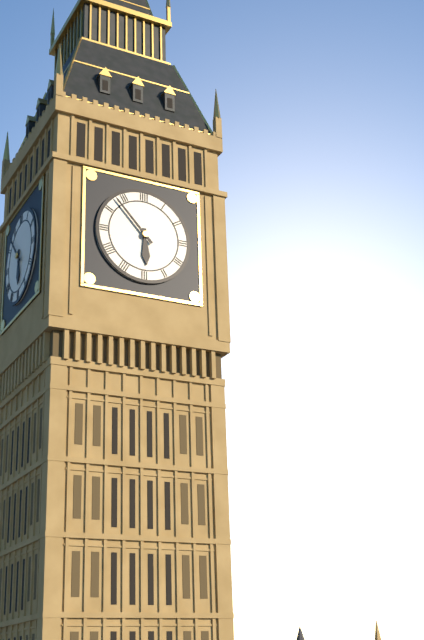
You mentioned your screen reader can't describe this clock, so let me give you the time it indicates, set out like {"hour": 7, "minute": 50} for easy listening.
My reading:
{"hour": 5, "minute": 53}
